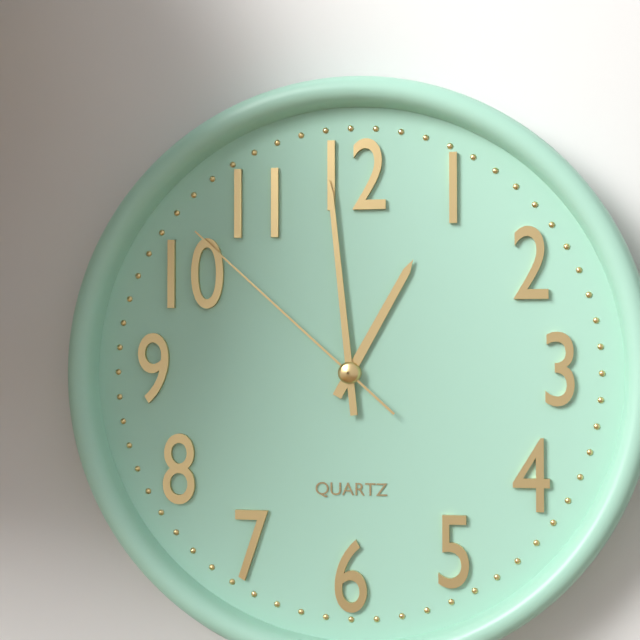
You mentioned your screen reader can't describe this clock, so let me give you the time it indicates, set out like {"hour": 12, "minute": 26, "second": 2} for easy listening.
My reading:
{"hour": 12, "minute": 59, "second": 52}
